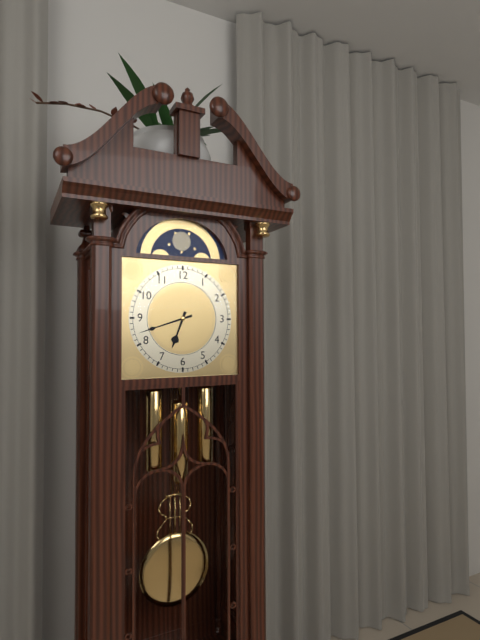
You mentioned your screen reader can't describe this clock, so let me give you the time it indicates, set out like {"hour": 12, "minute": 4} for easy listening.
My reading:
{"hour": 6, "minute": 42}
